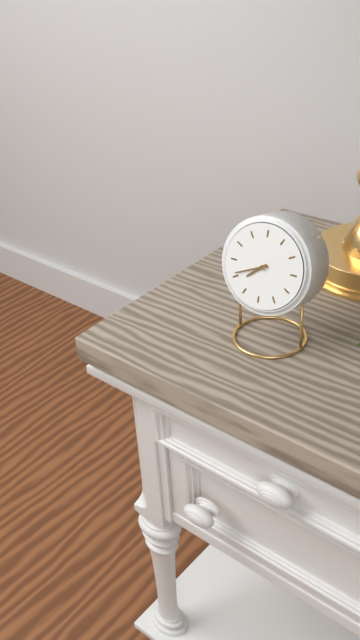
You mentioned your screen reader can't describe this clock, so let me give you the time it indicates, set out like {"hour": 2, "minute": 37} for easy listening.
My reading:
{"hour": 7, "minute": 41}
